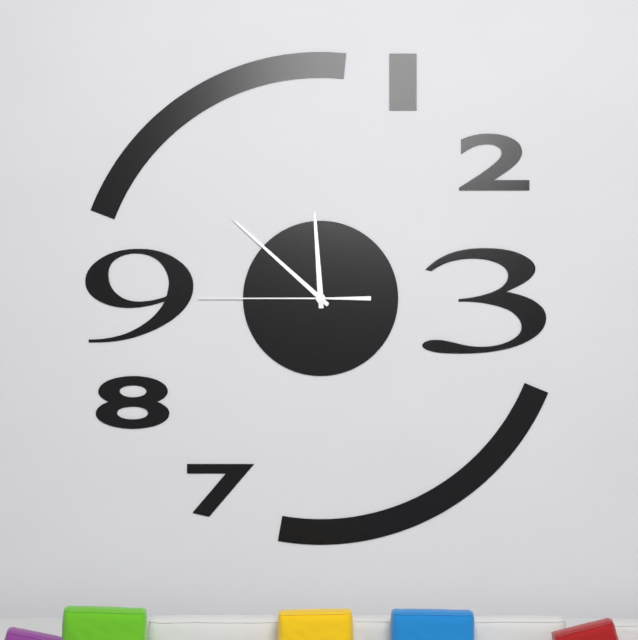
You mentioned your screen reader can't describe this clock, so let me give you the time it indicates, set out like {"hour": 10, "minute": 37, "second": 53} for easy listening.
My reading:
{"hour": 11, "minute": 52, "second": 45}
